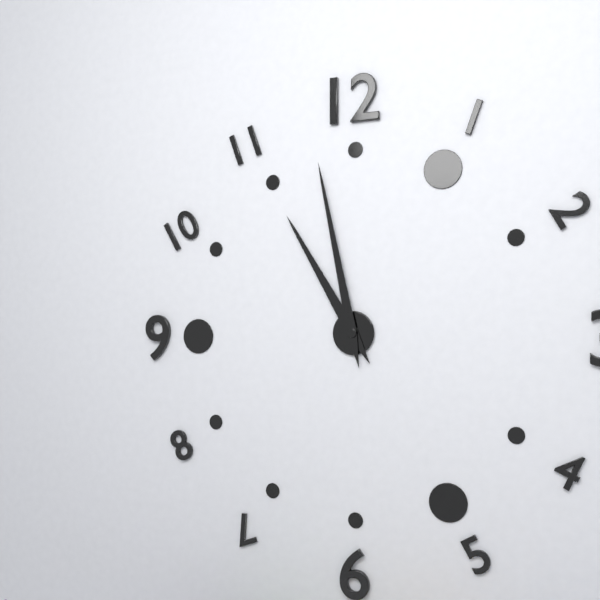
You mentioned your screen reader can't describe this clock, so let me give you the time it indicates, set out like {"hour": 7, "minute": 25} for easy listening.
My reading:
{"hour": 10, "minute": 58}
